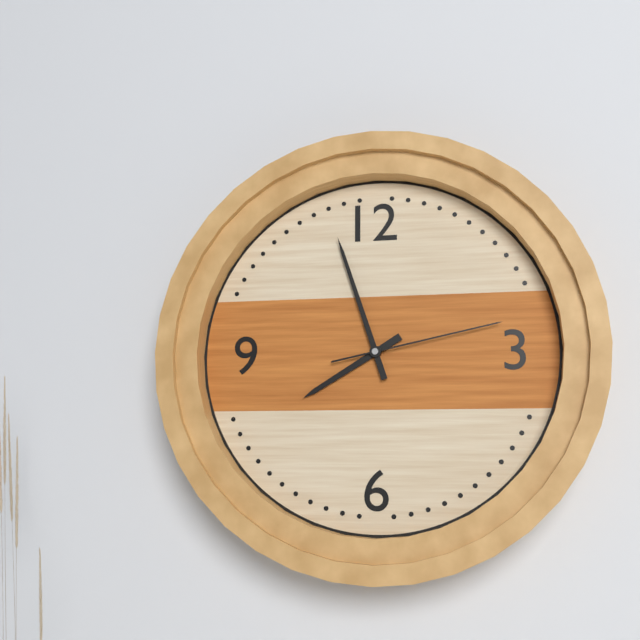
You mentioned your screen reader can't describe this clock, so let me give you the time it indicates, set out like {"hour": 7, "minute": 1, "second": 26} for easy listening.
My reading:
{"hour": 7, "minute": 57, "second": 13}
